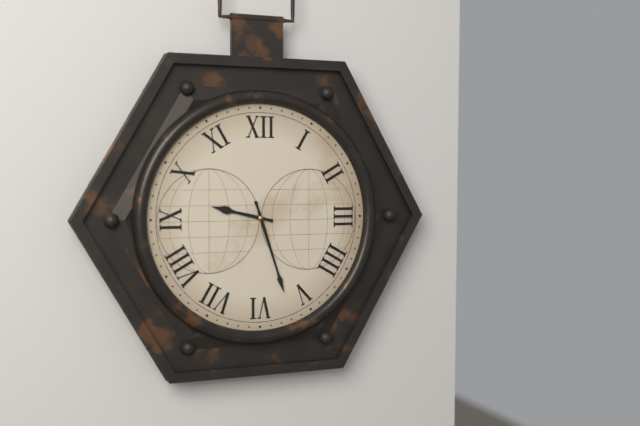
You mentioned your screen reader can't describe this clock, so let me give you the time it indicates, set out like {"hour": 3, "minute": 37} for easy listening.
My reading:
{"hour": 9, "minute": 27}
